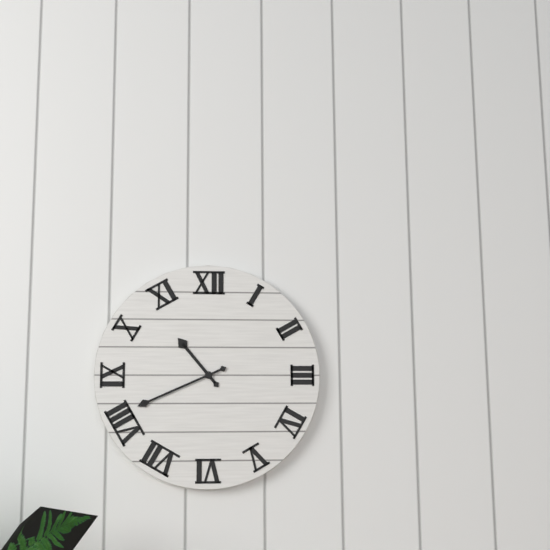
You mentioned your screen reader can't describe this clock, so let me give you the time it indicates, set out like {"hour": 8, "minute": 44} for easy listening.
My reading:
{"hour": 10, "minute": 41}
